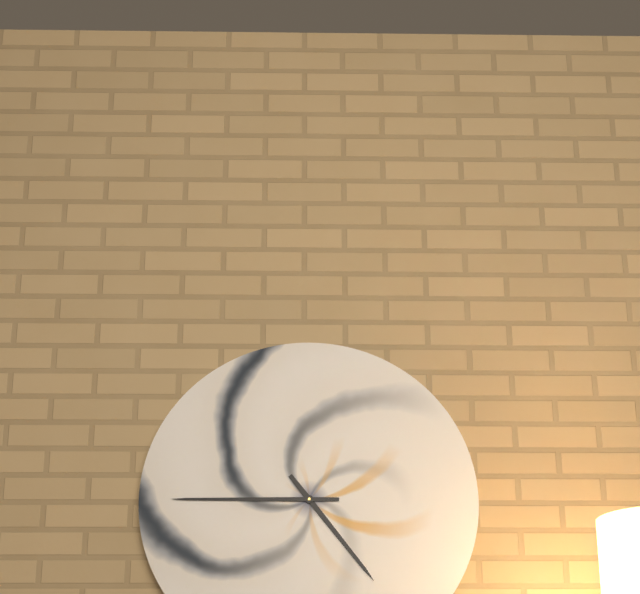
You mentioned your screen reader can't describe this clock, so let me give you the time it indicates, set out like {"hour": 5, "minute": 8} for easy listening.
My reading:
{"hour": 4, "minute": 45}
